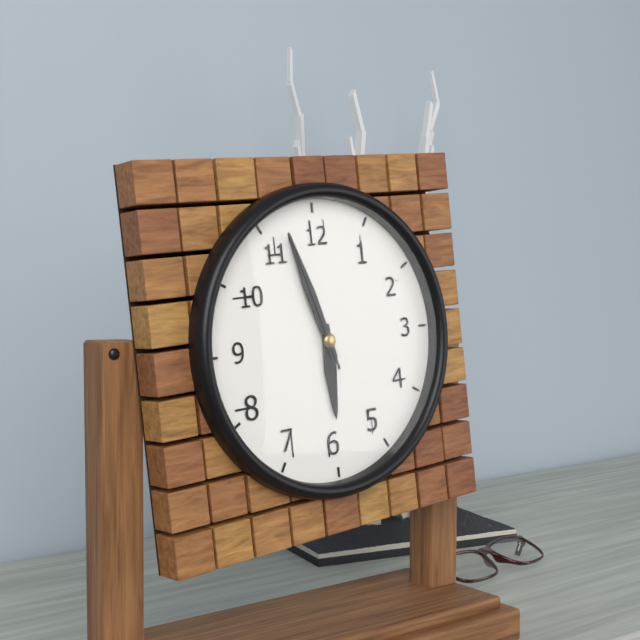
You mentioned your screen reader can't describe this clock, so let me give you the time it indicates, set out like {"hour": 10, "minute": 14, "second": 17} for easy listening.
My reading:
{"hour": 5, "minute": 57, "second": 57}
